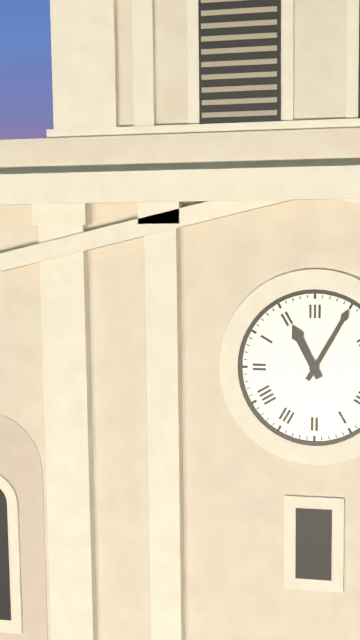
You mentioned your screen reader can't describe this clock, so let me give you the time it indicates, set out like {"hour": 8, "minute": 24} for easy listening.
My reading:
{"hour": 11, "minute": 5}
